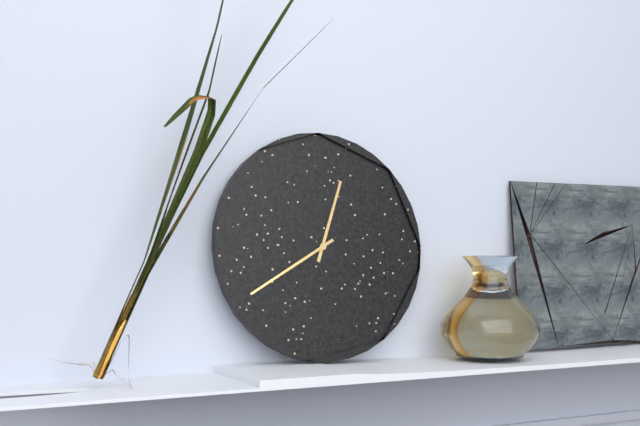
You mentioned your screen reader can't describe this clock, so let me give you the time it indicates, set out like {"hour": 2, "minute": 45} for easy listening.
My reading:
{"hour": 12, "minute": 40}
